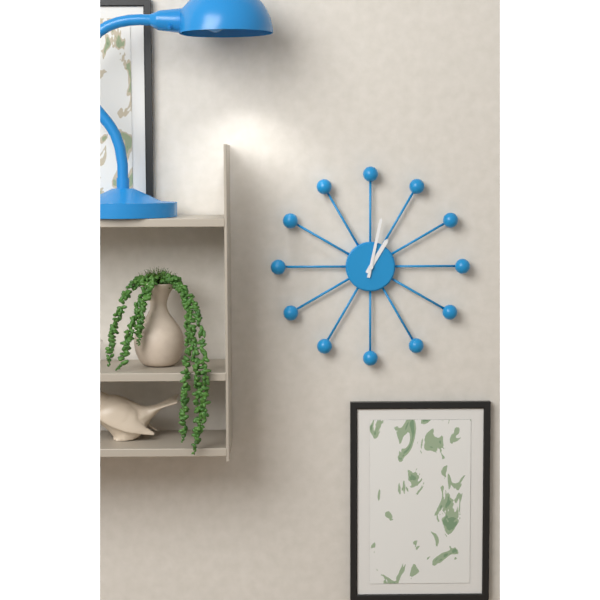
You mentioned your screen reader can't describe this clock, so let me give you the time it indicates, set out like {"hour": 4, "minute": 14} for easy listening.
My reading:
{"hour": 1, "minute": 2}
